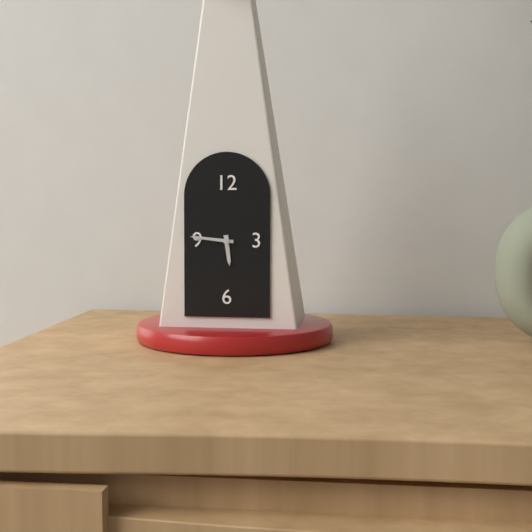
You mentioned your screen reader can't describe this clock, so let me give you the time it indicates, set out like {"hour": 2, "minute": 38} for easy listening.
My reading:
{"hour": 5, "minute": 46}
